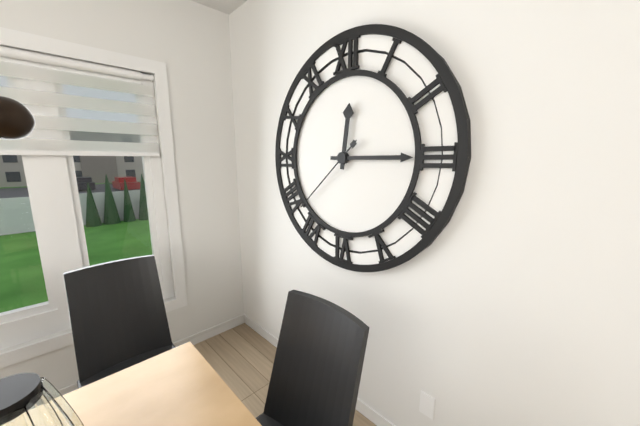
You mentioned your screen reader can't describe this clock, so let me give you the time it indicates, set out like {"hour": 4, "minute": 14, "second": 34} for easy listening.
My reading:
{"hour": 12, "minute": 15, "second": 38}
